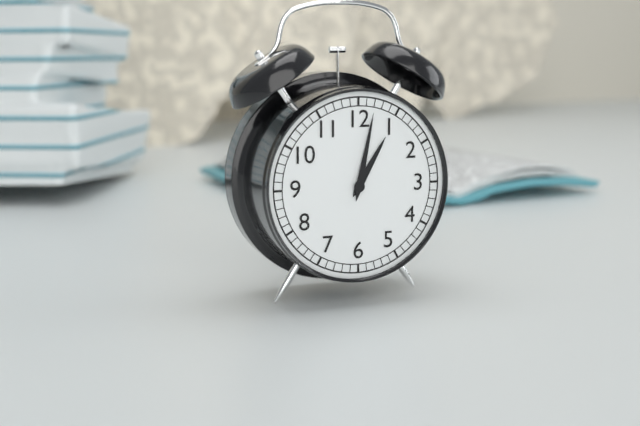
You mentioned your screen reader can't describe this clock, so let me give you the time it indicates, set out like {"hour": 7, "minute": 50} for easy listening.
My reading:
{"hour": 1, "minute": 2}
